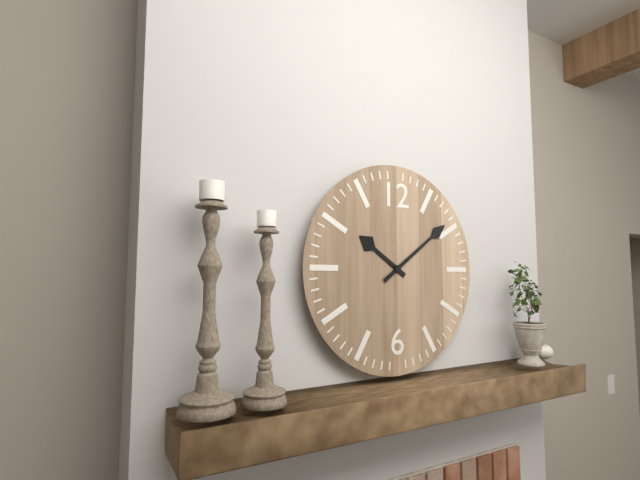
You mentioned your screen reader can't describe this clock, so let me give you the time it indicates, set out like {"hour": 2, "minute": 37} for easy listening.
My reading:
{"hour": 10, "minute": 9}
